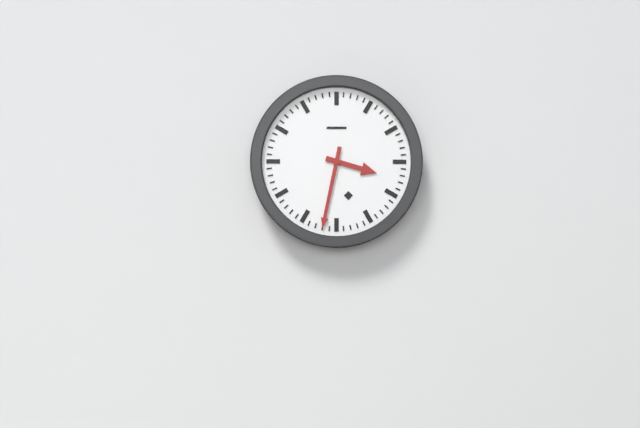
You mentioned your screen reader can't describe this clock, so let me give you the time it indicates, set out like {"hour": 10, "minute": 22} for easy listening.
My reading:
{"hour": 3, "minute": 32}
